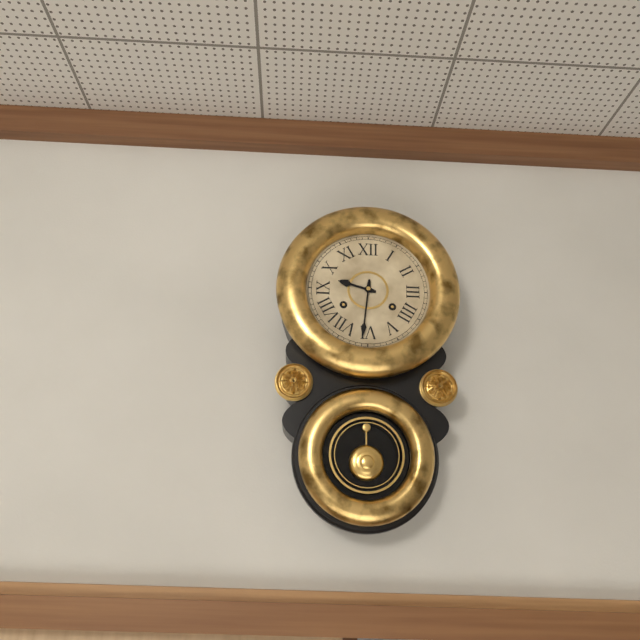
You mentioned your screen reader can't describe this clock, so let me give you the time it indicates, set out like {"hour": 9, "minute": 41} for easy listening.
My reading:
{"hour": 9, "minute": 31}
